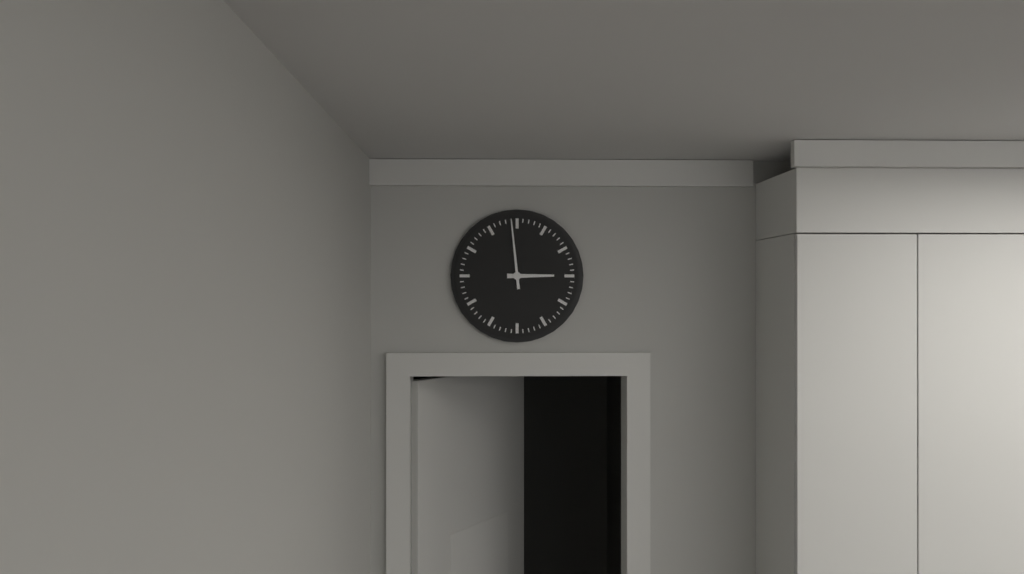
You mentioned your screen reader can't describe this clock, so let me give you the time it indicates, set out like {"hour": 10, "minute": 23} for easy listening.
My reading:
{"hour": 2, "minute": 59}
